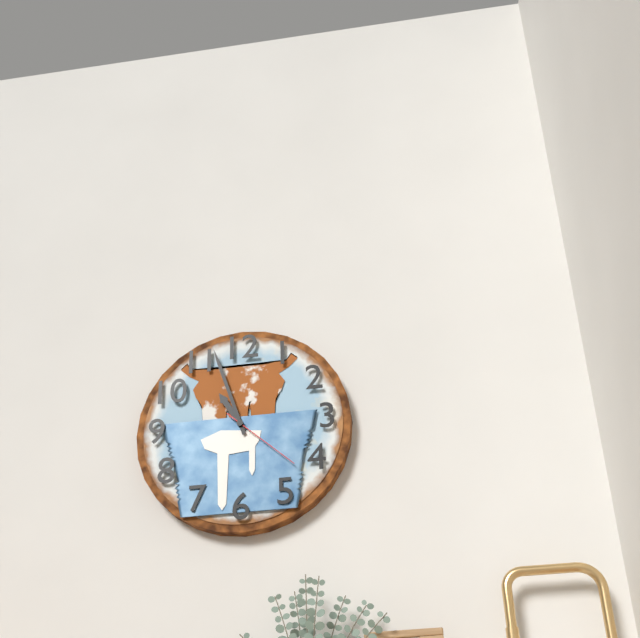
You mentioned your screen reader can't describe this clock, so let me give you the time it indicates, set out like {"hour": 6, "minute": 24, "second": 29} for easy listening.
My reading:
{"hour": 10, "minute": 57, "second": 22}
